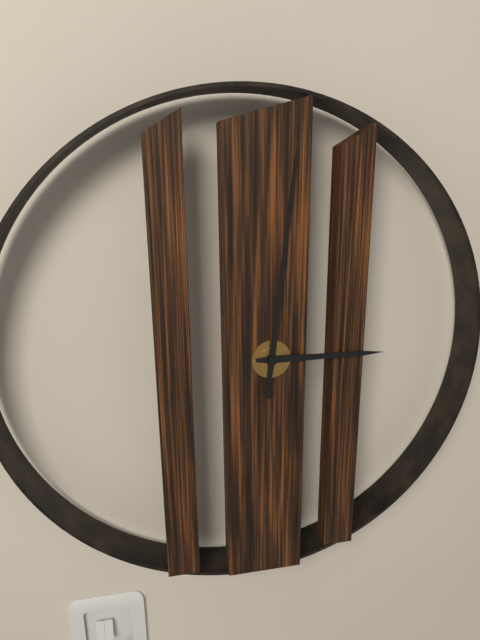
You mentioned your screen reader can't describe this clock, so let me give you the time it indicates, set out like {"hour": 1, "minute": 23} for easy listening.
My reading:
{"hour": 3, "minute": 1}
